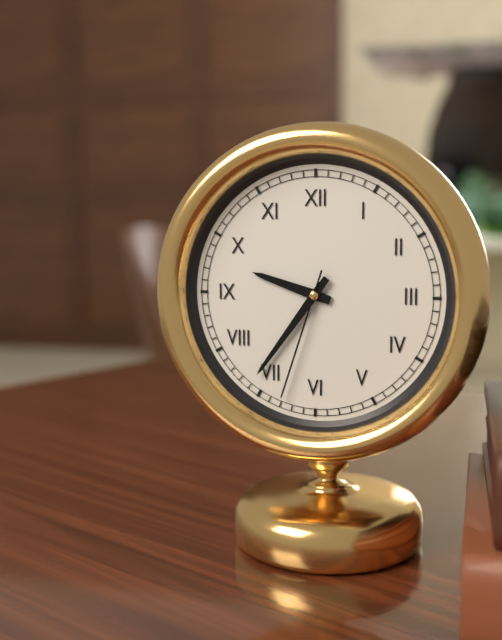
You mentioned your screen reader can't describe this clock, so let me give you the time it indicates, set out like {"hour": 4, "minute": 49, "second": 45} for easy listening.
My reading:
{"hour": 9, "minute": 36, "second": 33}
